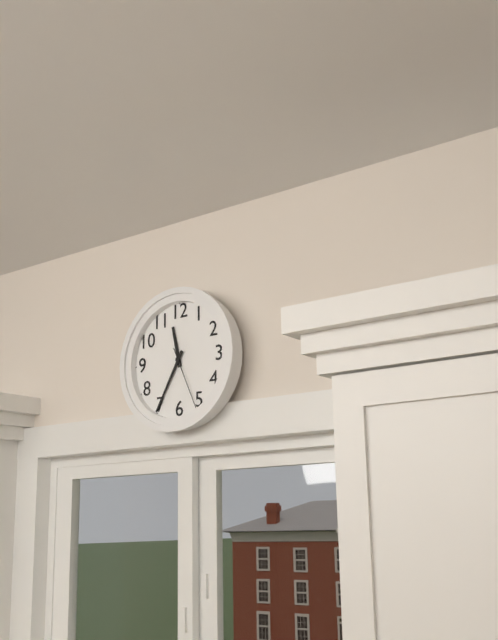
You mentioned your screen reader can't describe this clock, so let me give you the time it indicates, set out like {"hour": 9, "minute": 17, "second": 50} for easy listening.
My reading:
{"hour": 11, "minute": 35, "second": 26}
